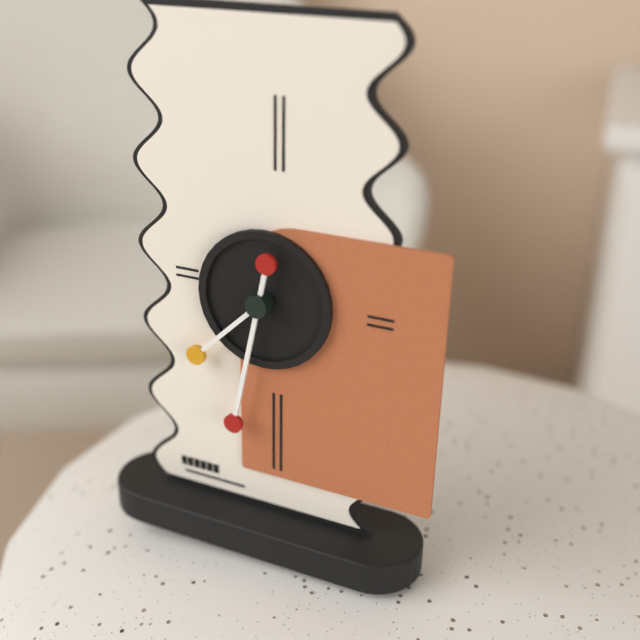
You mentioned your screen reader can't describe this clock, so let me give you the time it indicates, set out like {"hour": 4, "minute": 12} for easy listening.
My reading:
{"hour": 7, "minute": 32}
